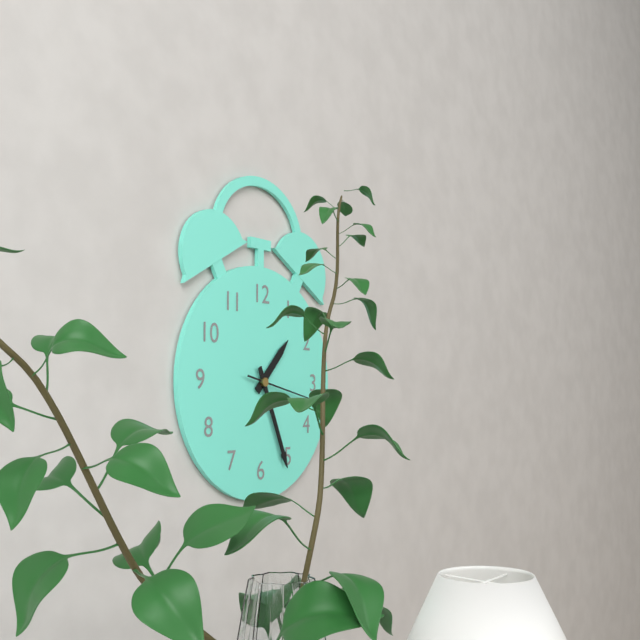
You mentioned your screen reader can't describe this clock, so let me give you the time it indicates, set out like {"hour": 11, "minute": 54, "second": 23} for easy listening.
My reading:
{"hour": 1, "minute": 26, "second": 17}
